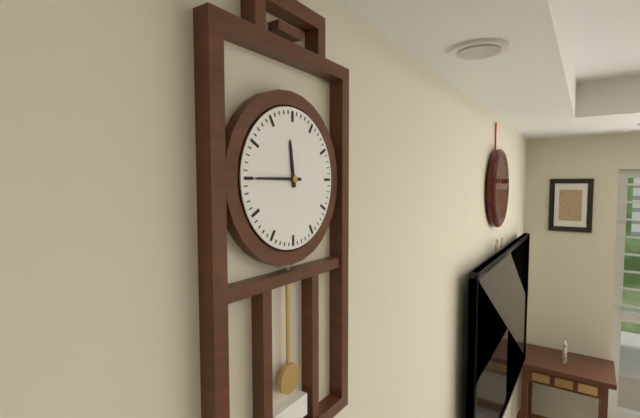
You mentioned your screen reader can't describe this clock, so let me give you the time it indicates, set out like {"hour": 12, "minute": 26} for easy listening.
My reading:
{"hour": 11, "minute": 45}
